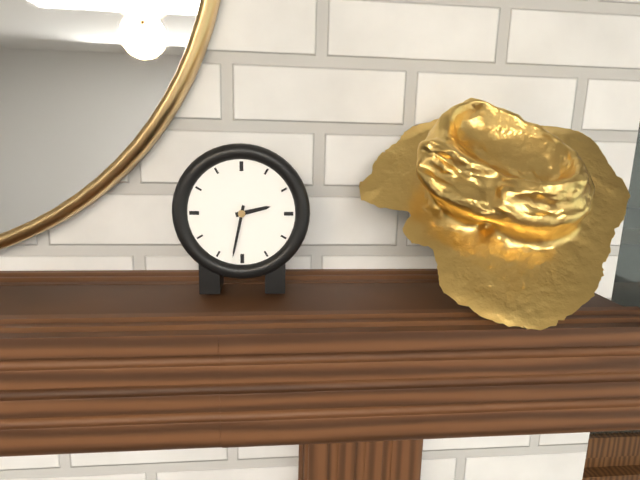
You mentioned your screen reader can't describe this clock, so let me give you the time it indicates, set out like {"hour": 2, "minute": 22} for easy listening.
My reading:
{"hour": 2, "minute": 32}
